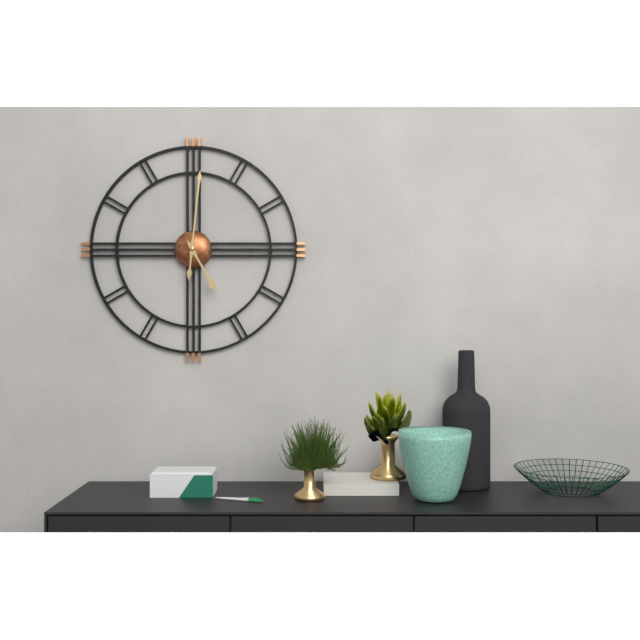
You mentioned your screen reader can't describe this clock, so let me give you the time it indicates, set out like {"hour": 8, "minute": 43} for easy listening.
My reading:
{"hour": 5, "minute": 1}
